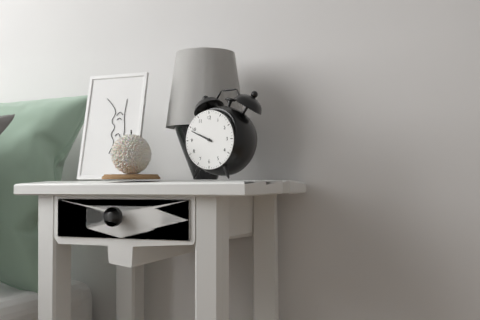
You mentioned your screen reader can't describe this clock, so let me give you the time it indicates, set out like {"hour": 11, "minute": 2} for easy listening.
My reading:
{"hour": 9, "minute": 49}
